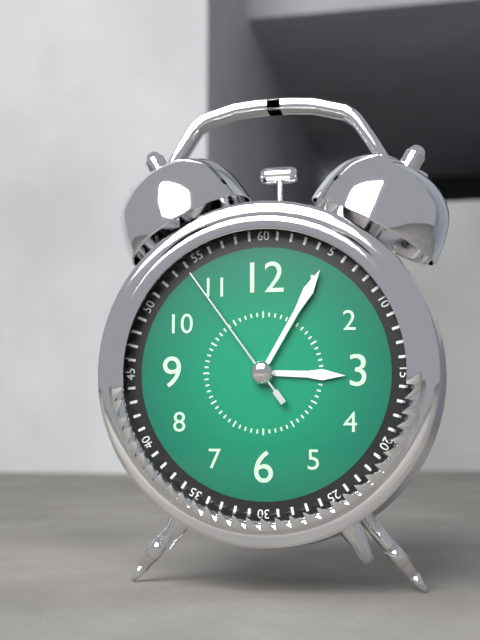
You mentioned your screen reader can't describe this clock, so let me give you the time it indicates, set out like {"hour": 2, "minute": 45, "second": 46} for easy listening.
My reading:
{"hour": 3, "minute": 5, "second": 54}
